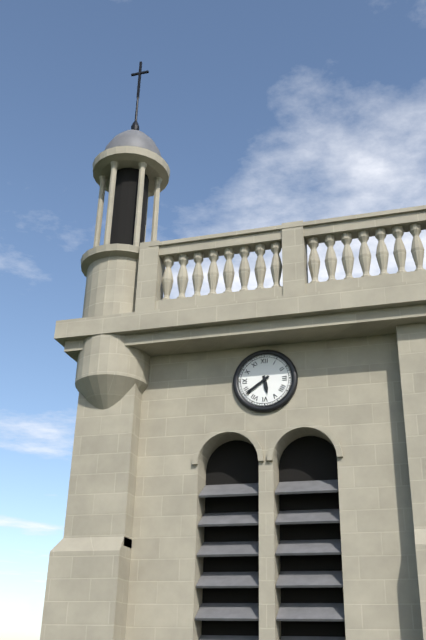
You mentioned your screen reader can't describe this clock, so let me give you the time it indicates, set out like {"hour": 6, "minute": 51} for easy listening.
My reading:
{"hour": 5, "minute": 39}
